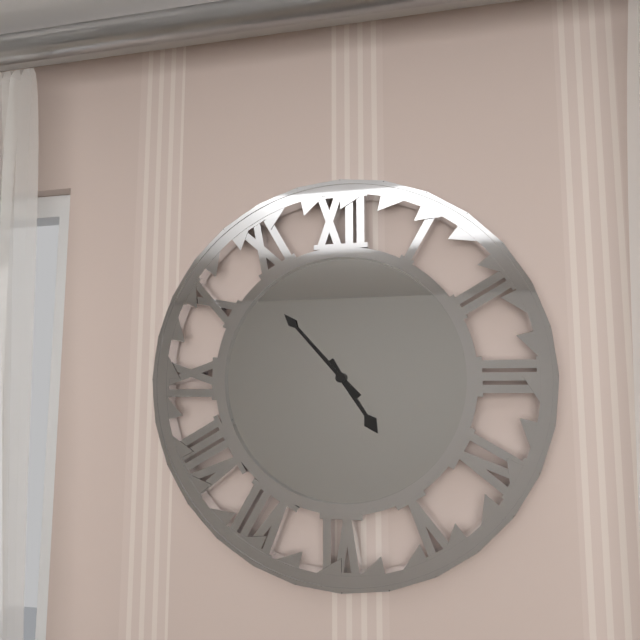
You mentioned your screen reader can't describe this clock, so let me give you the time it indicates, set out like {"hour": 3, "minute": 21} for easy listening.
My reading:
{"hour": 4, "minute": 53}
